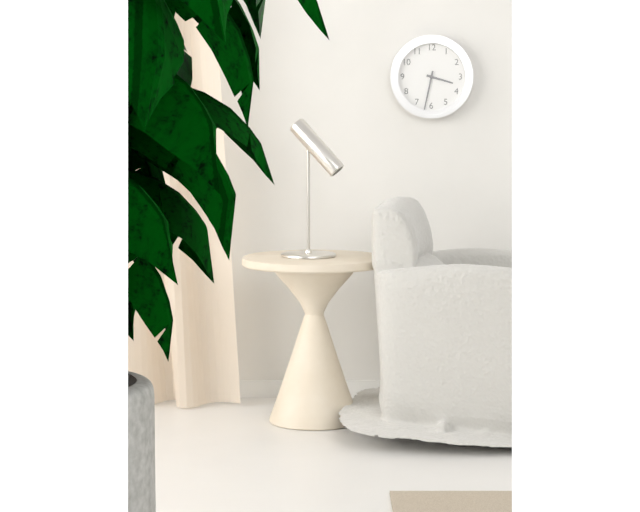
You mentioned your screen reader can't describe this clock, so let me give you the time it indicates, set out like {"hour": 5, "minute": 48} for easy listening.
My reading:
{"hour": 3, "minute": 32}
